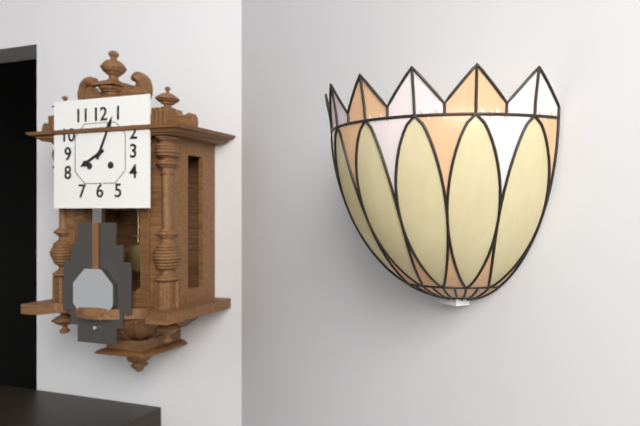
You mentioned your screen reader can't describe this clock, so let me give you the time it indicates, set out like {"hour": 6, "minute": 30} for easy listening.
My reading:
{"hour": 8, "minute": 4}
